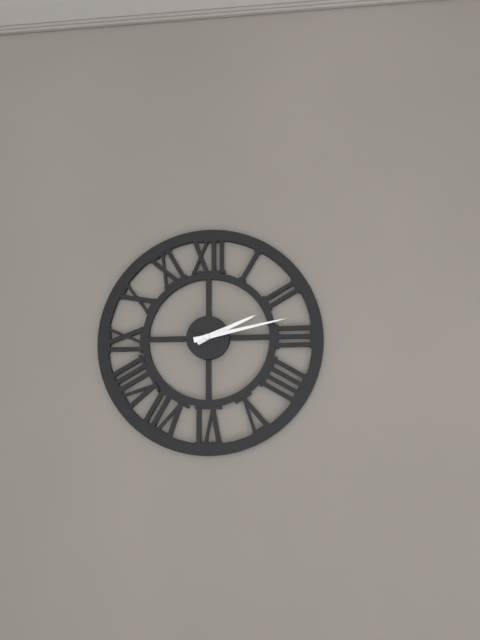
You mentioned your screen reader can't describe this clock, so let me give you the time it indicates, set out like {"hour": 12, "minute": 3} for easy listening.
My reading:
{"hour": 2, "minute": 13}
